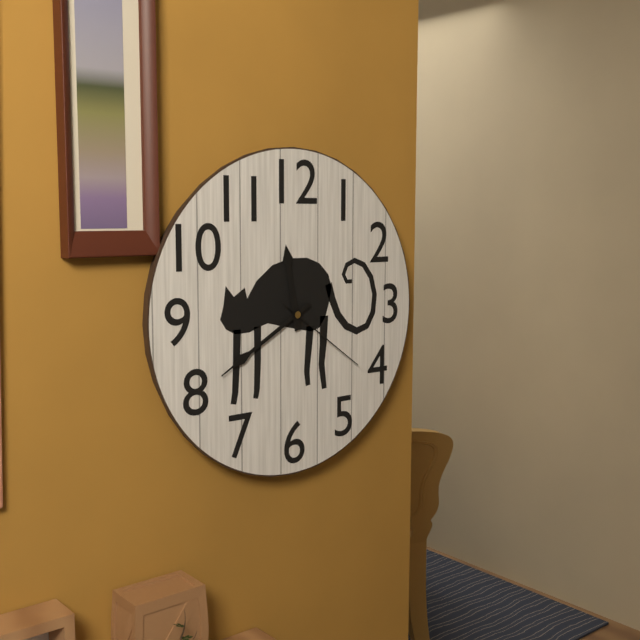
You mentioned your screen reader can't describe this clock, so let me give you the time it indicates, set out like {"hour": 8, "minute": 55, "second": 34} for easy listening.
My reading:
{"hour": 11, "minute": 40, "second": 21}
